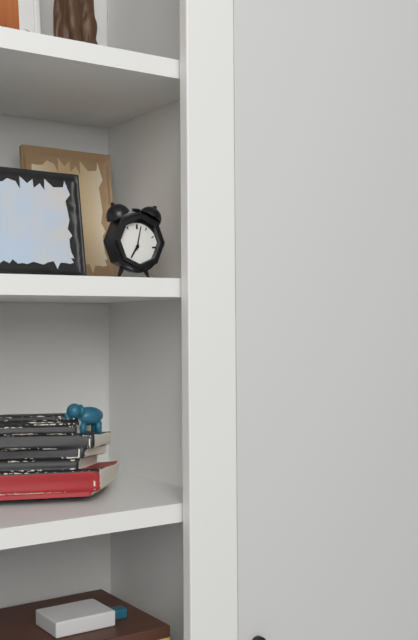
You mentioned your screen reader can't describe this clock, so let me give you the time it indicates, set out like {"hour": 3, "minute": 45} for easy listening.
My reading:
{"hour": 7, "minute": 2}
